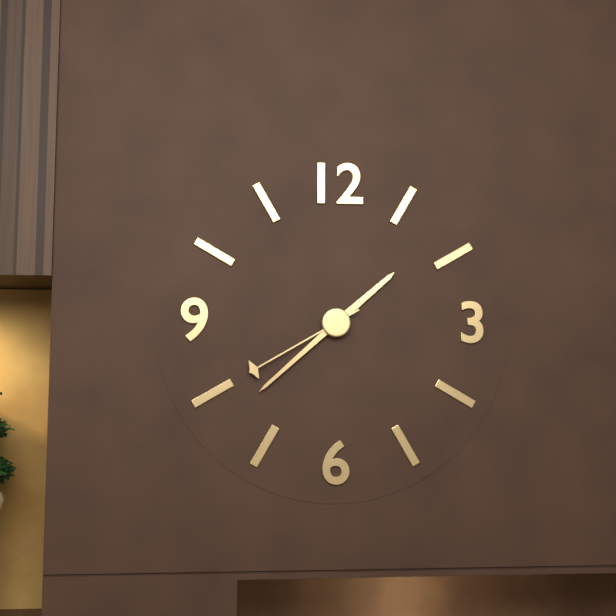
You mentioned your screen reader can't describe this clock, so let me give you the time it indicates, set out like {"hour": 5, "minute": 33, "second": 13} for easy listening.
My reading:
{"hour": 1, "minute": 38, "second": 40}
